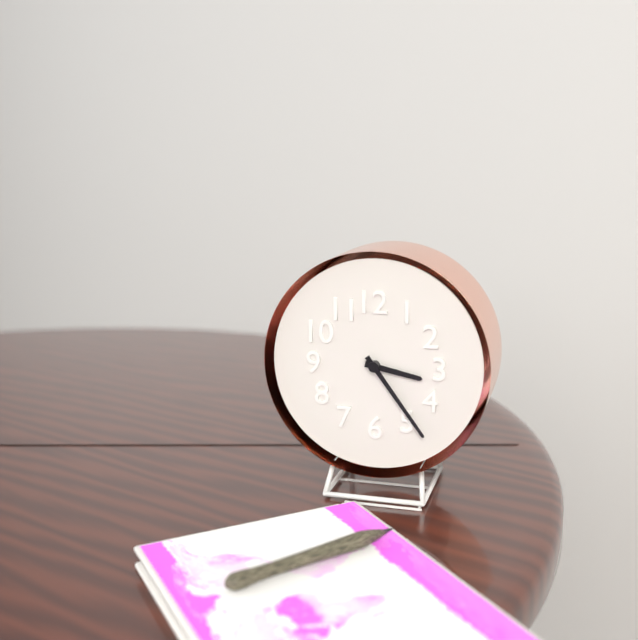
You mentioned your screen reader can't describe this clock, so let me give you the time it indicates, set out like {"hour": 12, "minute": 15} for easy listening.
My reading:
{"hour": 3, "minute": 24}
